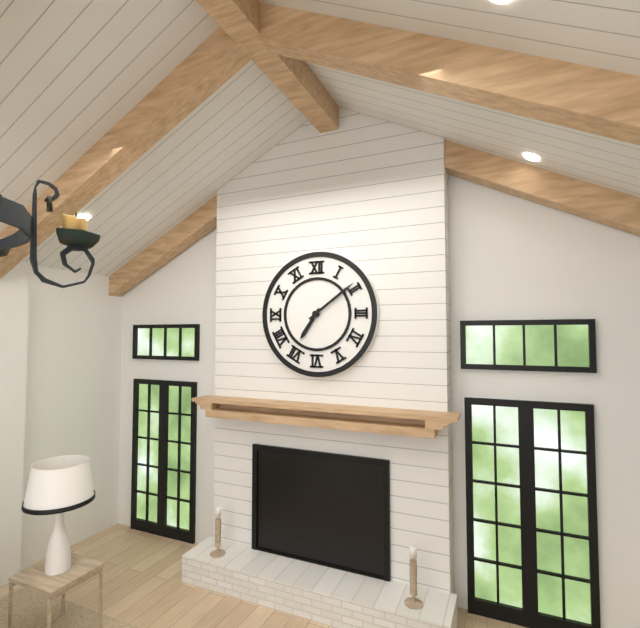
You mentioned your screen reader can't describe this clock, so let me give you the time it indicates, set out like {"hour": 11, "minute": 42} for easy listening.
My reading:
{"hour": 7, "minute": 9}
